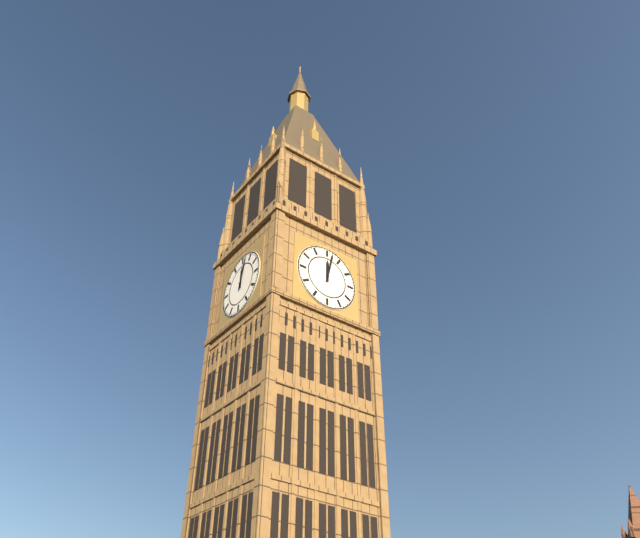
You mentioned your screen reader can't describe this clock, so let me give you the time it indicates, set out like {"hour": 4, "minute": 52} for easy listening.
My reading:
{"hour": 12, "minute": 2}
